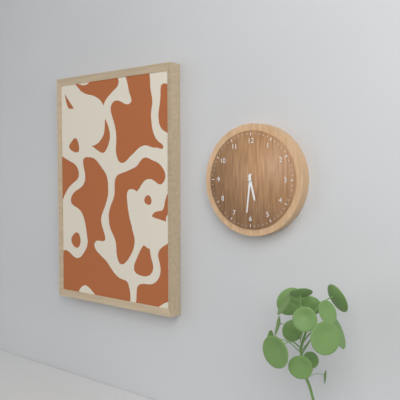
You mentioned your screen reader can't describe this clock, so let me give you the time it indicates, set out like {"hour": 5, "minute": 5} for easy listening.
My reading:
{"hour": 5, "minute": 31}
